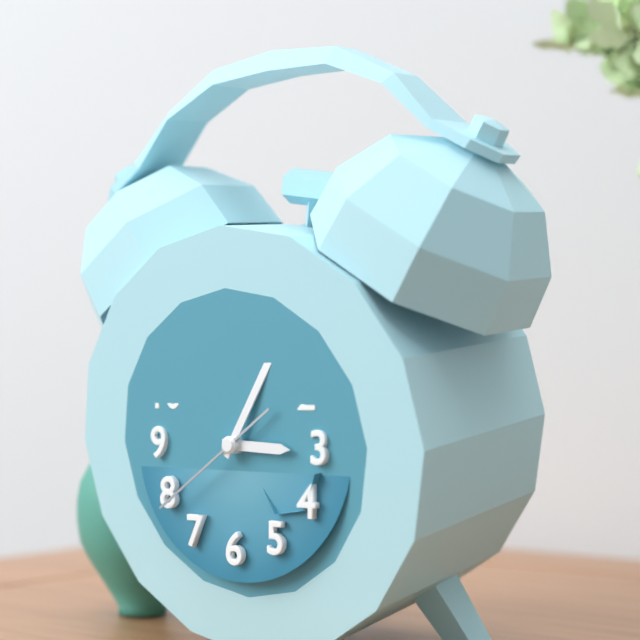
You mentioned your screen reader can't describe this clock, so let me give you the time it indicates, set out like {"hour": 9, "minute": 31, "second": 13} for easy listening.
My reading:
{"hour": 3, "minute": 5, "second": 39}
